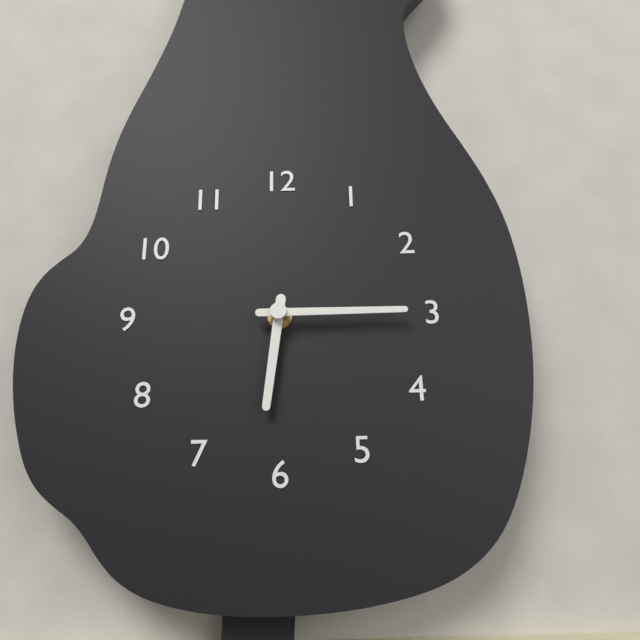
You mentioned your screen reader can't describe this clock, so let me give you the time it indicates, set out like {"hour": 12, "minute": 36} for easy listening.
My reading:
{"hour": 6, "minute": 15}
